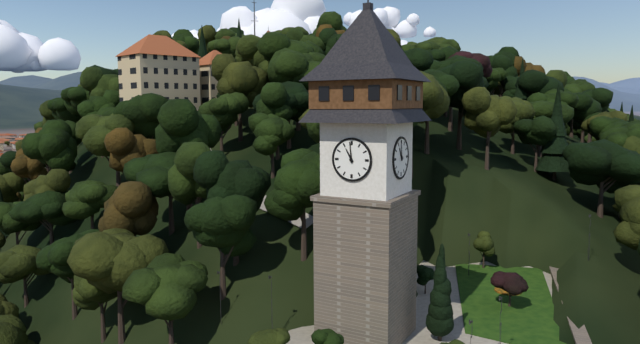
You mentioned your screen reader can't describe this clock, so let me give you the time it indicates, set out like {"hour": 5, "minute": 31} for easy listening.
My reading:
{"hour": 10, "minute": 59}
